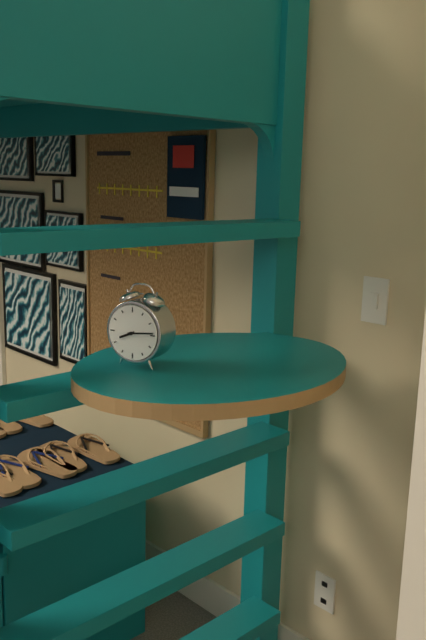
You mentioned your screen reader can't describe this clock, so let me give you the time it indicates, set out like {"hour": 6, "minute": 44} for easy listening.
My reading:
{"hour": 8, "minute": 14}
